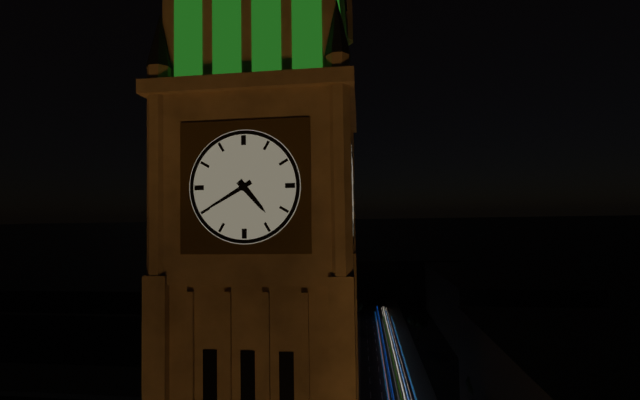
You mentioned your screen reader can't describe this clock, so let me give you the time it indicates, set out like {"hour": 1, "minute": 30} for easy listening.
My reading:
{"hour": 4, "minute": 40}
